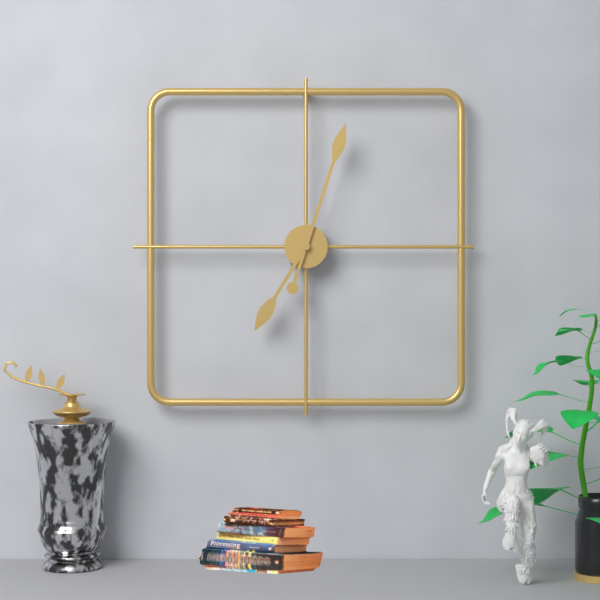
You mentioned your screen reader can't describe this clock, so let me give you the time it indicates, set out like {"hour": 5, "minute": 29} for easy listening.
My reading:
{"hour": 7, "minute": 3}
